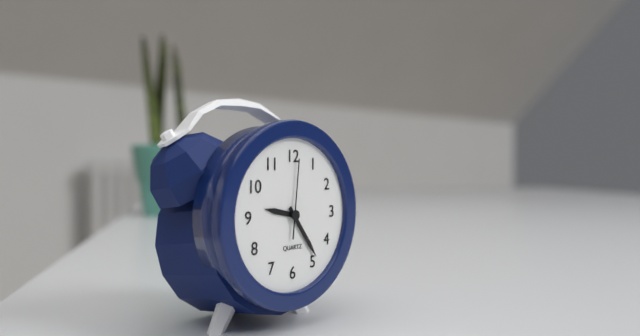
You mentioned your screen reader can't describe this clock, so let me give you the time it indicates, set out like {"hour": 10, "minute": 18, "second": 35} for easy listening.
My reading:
{"hour": 9, "minute": 24, "second": 1}
